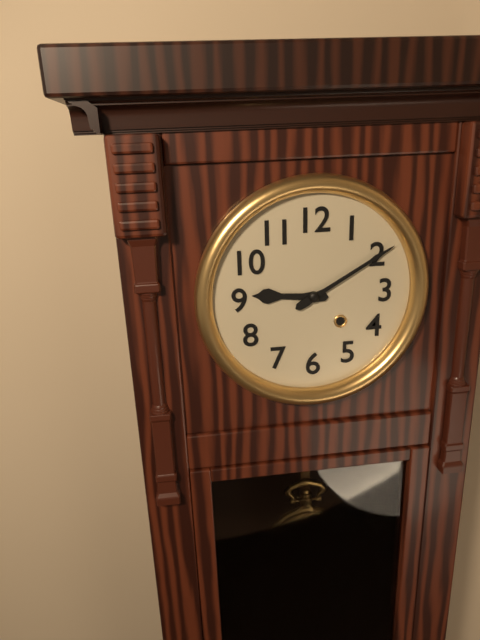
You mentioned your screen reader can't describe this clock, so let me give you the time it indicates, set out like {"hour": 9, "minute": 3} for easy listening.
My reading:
{"hour": 9, "minute": 10}
